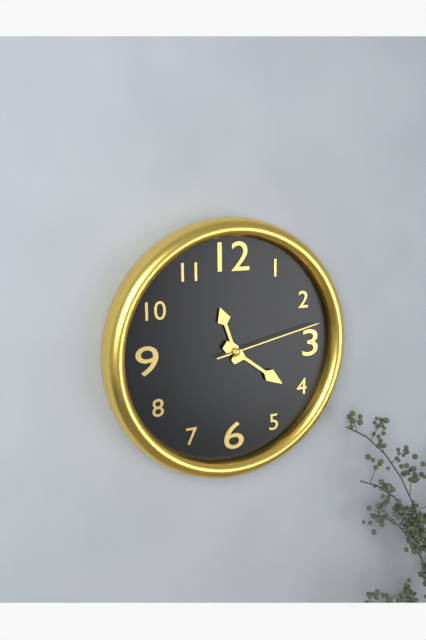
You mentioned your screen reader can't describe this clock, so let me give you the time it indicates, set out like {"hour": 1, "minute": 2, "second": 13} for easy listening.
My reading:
{"hour": 11, "minute": 21, "second": 13}
